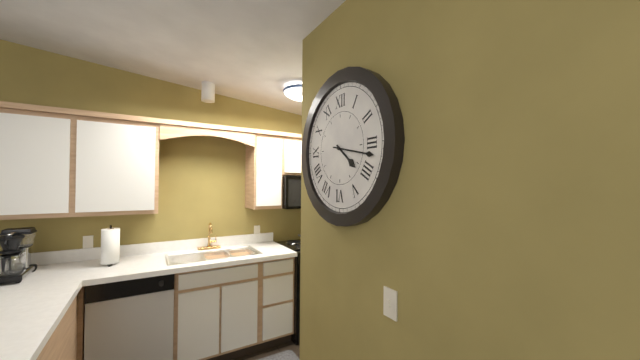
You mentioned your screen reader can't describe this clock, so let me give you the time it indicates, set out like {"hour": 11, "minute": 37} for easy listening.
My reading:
{"hour": 4, "minute": 17}
